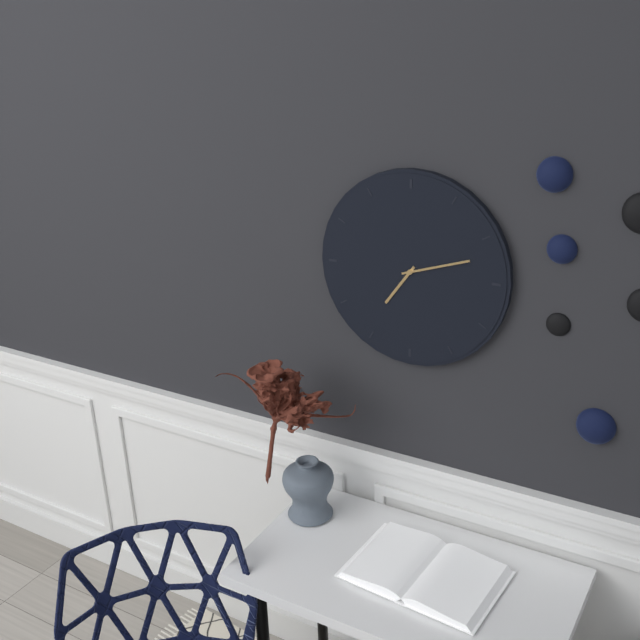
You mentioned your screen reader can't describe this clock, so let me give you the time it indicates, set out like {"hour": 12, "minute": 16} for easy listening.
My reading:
{"hour": 7, "minute": 12}
